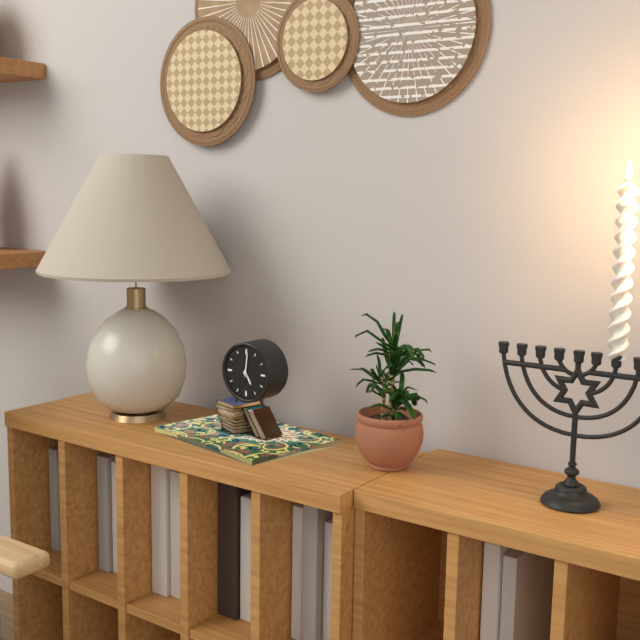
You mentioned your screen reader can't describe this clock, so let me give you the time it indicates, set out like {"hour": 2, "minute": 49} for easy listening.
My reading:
{"hour": 5, "minute": 1}
